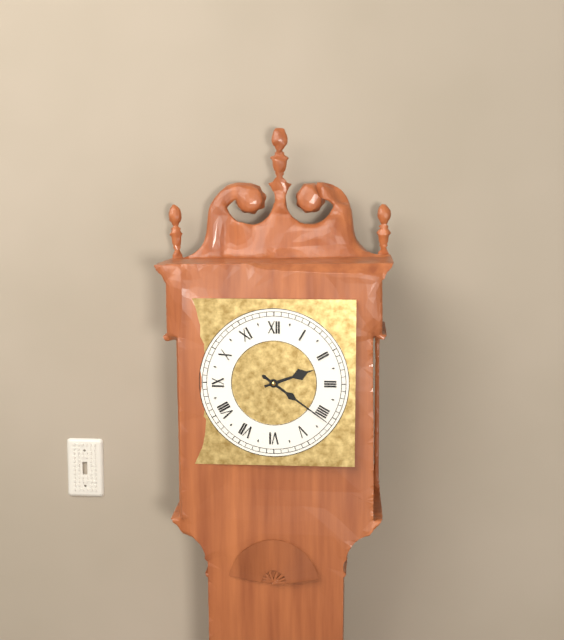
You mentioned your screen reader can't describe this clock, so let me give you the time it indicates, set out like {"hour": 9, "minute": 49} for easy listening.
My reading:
{"hour": 2, "minute": 21}
